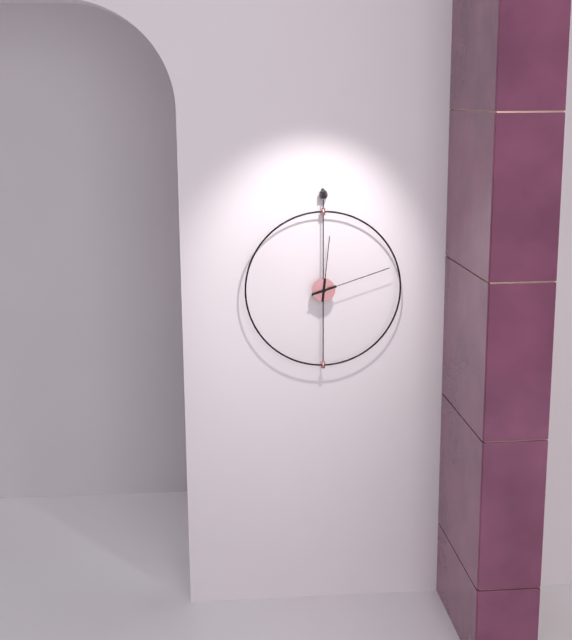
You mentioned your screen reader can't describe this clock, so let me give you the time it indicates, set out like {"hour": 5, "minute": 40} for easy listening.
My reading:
{"hour": 12, "minute": 12}
